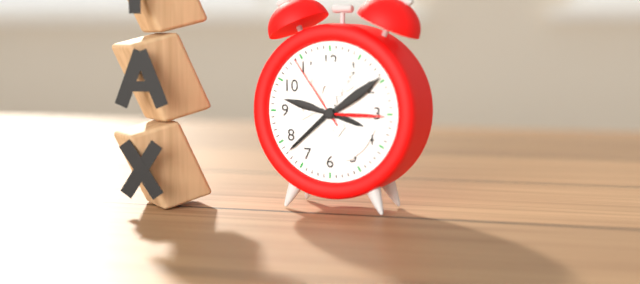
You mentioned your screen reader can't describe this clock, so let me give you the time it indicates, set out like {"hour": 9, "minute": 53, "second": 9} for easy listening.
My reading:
{"hour": 3, "minute": 38, "second": 54}
